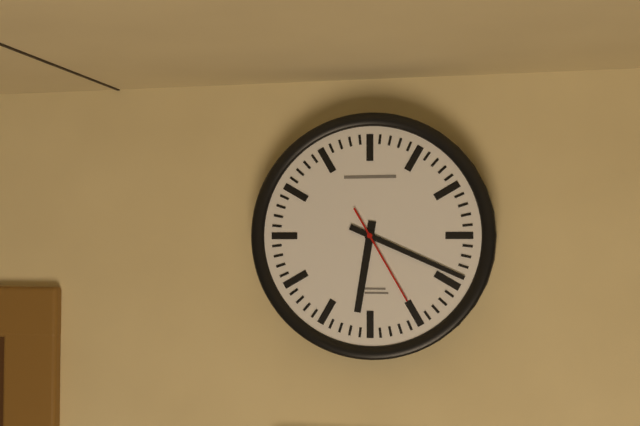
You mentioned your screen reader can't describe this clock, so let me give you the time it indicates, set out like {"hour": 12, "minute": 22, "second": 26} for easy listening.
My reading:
{"hour": 6, "minute": 19, "second": 25}
